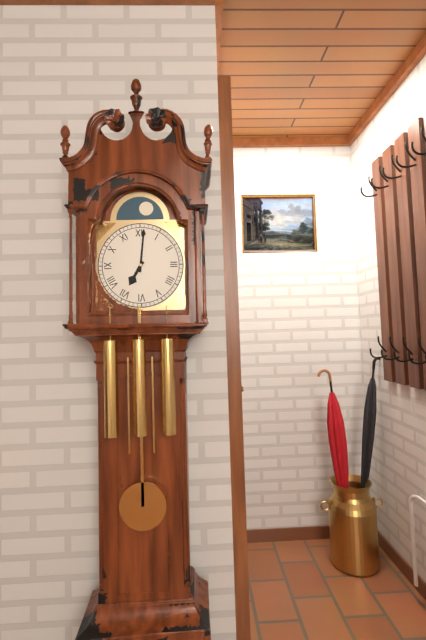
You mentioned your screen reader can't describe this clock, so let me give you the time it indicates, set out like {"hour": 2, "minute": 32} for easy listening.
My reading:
{"hour": 7, "minute": 1}
